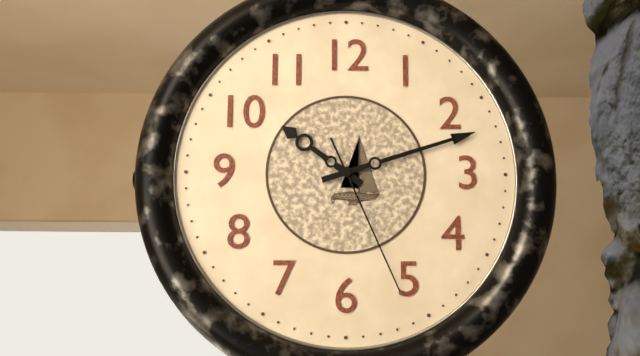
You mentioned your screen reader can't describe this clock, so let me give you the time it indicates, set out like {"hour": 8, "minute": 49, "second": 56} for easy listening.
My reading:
{"hour": 10, "minute": 12, "second": 26}
